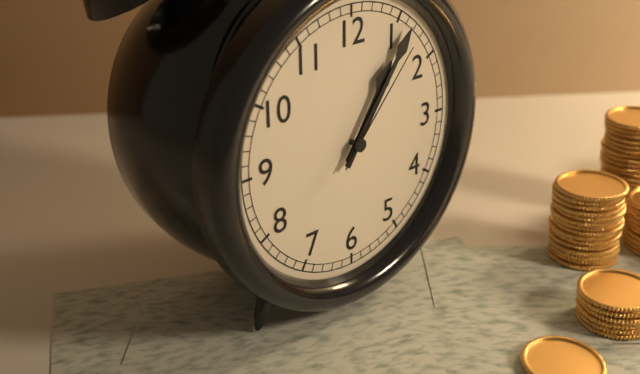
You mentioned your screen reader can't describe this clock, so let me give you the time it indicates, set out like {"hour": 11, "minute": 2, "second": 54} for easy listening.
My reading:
{"hour": 1, "minute": 6, "second": 7}
